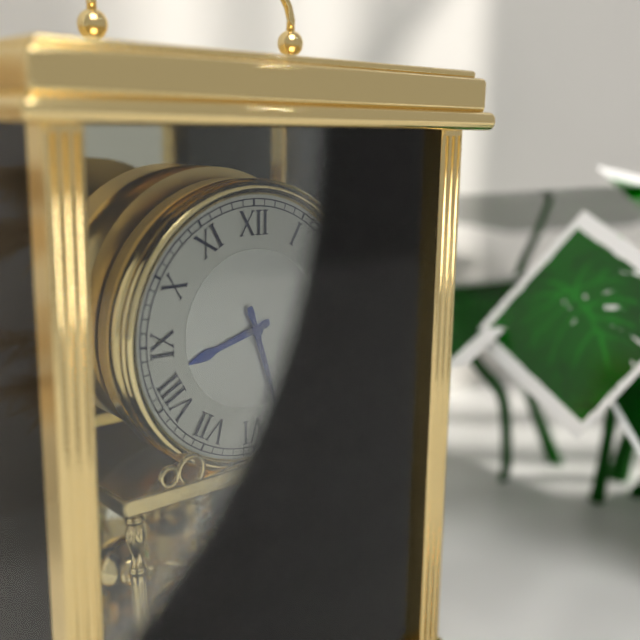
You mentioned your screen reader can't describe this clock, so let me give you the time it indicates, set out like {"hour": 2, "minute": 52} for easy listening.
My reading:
{"hour": 8, "minute": 27}
